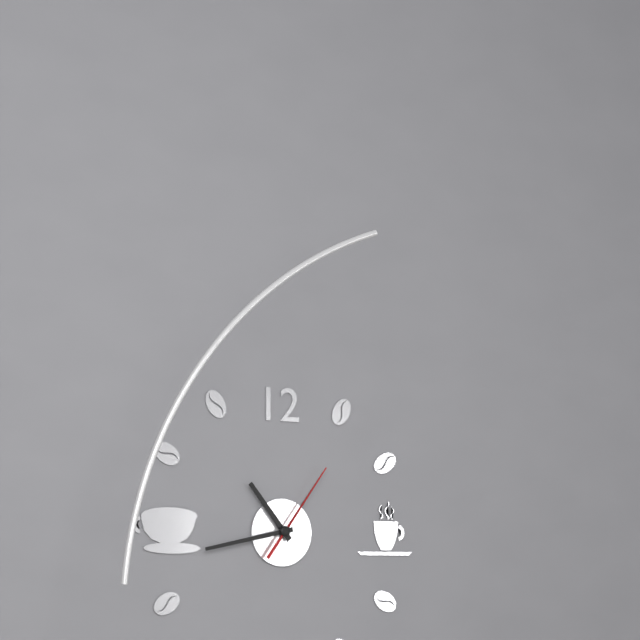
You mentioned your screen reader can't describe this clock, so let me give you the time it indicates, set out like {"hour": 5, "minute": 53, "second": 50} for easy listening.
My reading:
{"hour": 10, "minute": 43, "second": 6}
